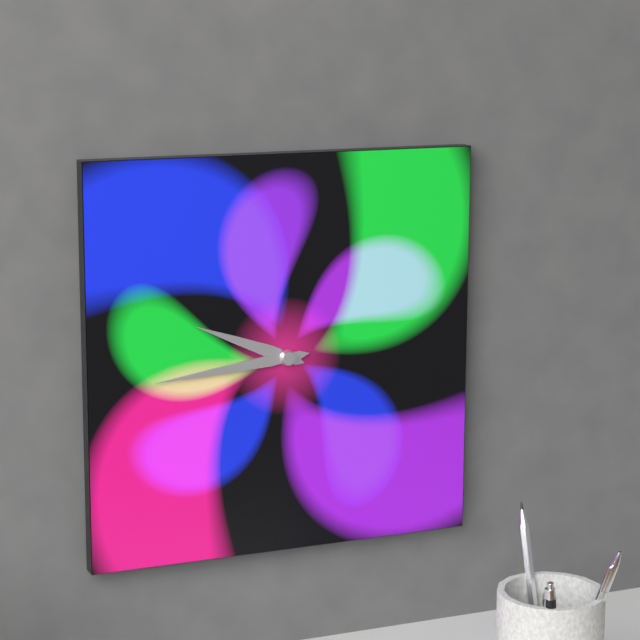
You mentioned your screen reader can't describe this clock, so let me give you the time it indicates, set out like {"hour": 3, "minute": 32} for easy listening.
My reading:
{"hour": 9, "minute": 44}
